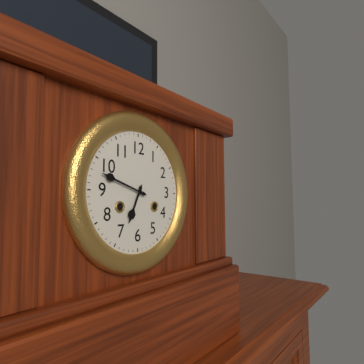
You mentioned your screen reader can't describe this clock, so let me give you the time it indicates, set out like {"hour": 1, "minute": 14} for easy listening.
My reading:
{"hour": 6, "minute": 48}
